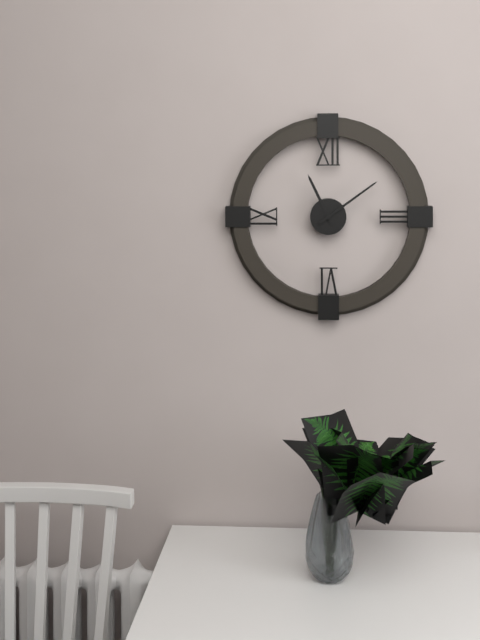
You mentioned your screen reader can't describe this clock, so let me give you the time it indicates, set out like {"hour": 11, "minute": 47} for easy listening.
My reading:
{"hour": 11, "minute": 9}
